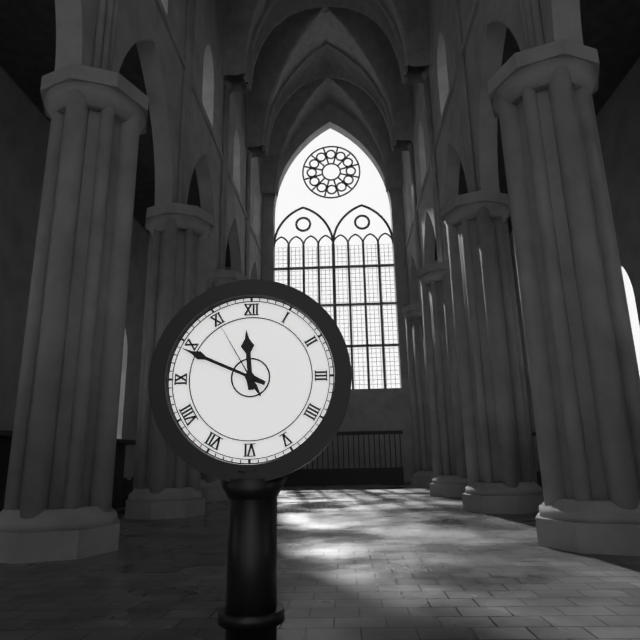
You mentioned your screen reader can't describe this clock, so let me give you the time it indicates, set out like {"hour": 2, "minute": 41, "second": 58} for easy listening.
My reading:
{"hour": 11, "minute": 49, "second": 55}
